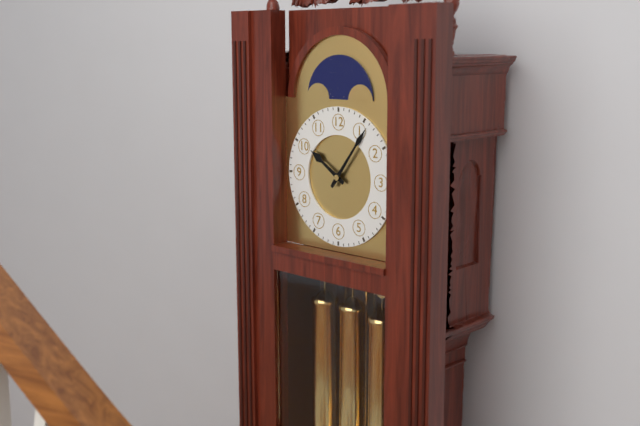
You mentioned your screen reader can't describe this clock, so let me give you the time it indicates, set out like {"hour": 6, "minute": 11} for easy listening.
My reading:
{"hour": 10, "minute": 6}
